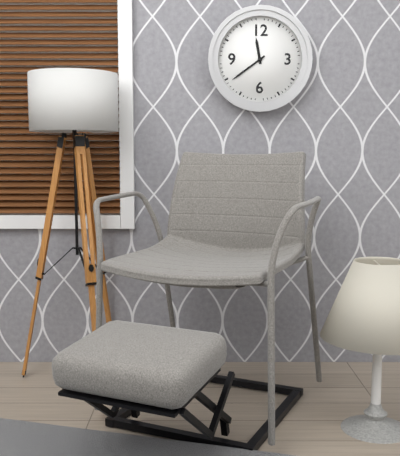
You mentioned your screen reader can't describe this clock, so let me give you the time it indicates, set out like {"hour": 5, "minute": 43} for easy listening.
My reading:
{"hour": 11, "minute": 39}
